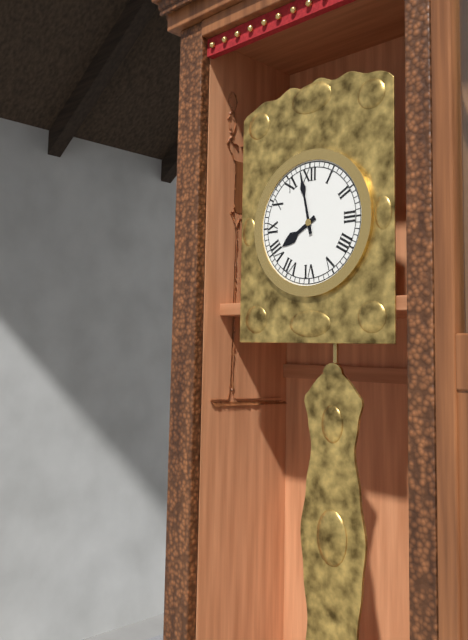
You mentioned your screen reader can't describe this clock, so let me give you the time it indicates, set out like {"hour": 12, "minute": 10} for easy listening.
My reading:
{"hour": 7, "minute": 58}
